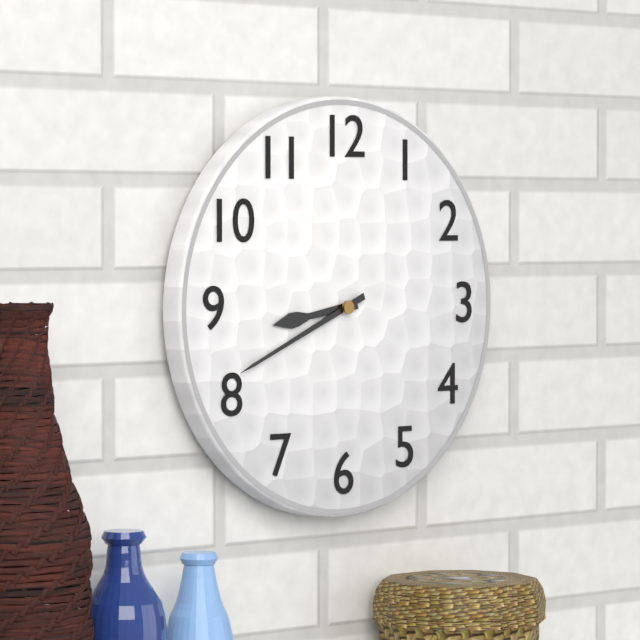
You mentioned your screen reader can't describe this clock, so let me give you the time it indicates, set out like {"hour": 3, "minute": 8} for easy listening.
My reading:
{"hour": 8, "minute": 41}
